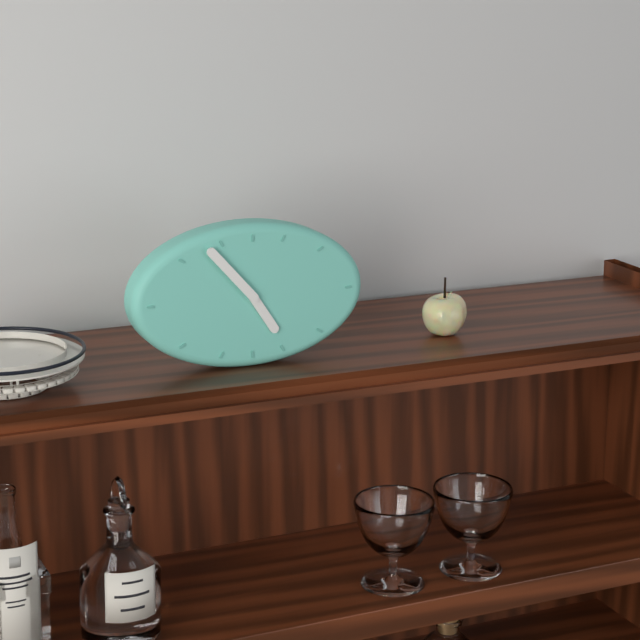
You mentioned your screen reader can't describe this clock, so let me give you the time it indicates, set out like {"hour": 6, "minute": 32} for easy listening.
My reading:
{"hour": 4, "minute": 53}
